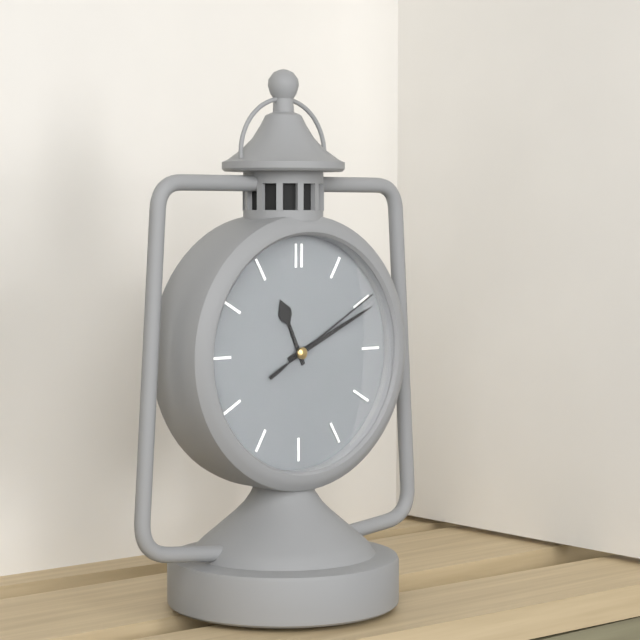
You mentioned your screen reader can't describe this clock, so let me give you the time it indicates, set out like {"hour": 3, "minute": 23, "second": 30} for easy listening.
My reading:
{"hour": 11, "minute": 11, "second": 10}
